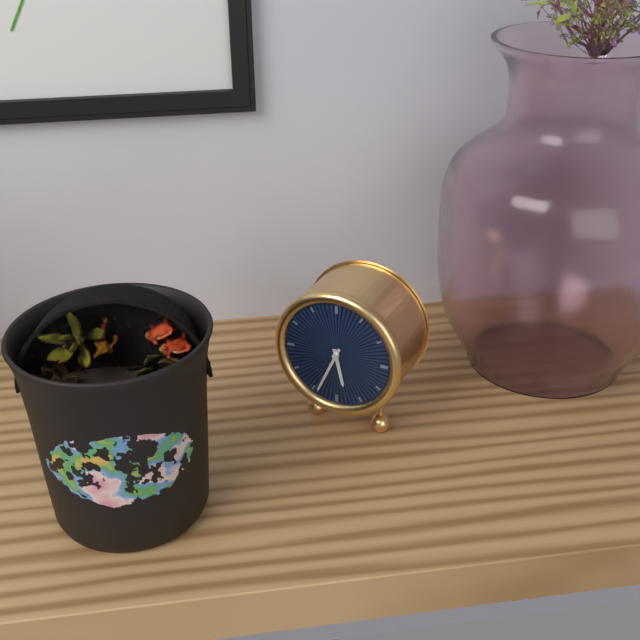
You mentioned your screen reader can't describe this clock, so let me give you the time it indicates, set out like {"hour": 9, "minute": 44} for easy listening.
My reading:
{"hour": 5, "minute": 34}
